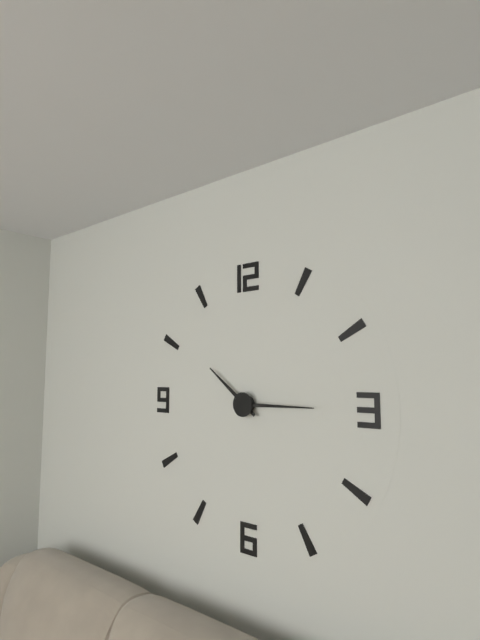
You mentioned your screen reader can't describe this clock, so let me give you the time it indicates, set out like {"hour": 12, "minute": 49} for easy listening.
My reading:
{"hour": 10, "minute": 15}
